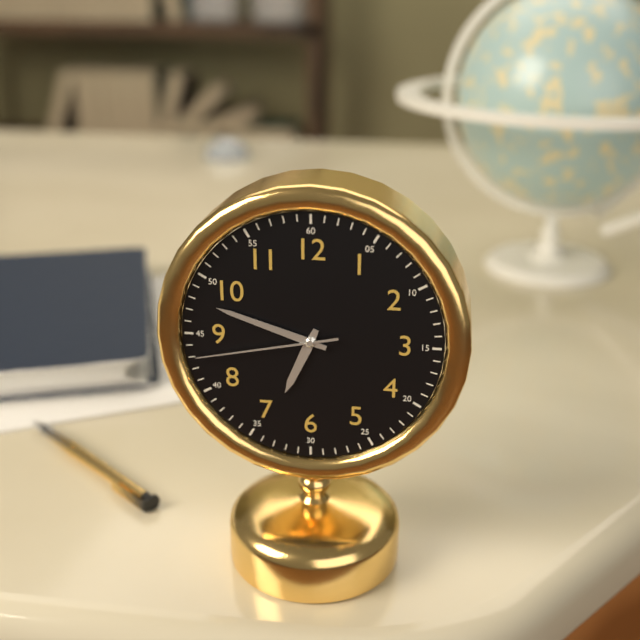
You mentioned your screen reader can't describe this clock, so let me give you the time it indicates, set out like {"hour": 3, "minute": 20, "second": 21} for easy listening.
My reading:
{"hour": 6, "minute": 48, "second": 43}
